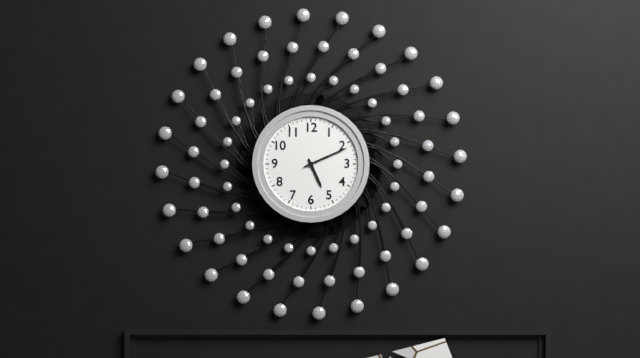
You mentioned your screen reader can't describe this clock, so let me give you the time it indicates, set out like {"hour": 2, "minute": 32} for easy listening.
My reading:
{"hour": 5, "minute": 11}
